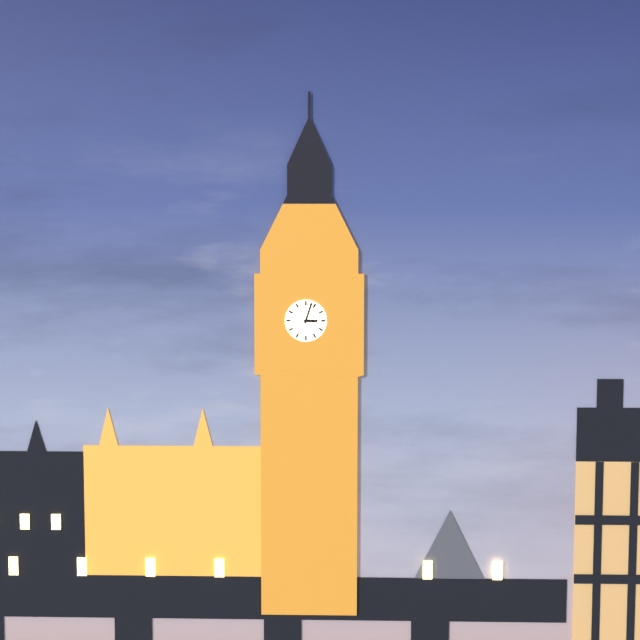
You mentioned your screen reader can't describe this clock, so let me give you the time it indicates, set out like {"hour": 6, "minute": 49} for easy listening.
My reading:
{"hour": 3, "minute": 3}
